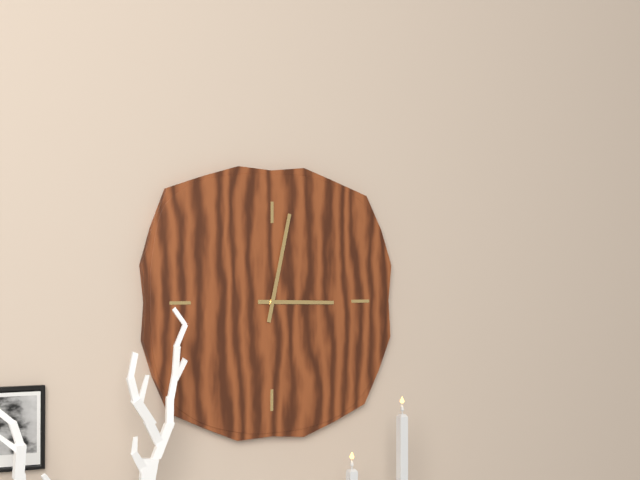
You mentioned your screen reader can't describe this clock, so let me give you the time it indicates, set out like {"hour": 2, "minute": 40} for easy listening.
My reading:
{"hour": 3, "minute": 2}
